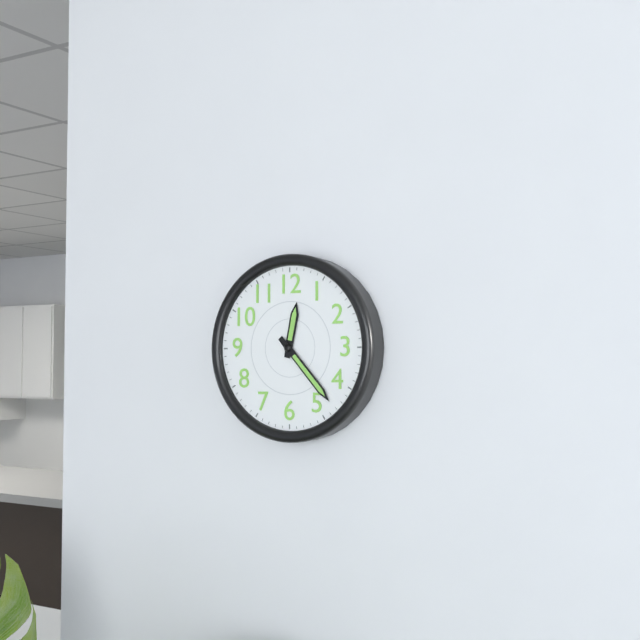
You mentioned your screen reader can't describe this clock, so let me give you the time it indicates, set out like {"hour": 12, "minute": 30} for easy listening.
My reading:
{"hour": 12, "minute": 23}
